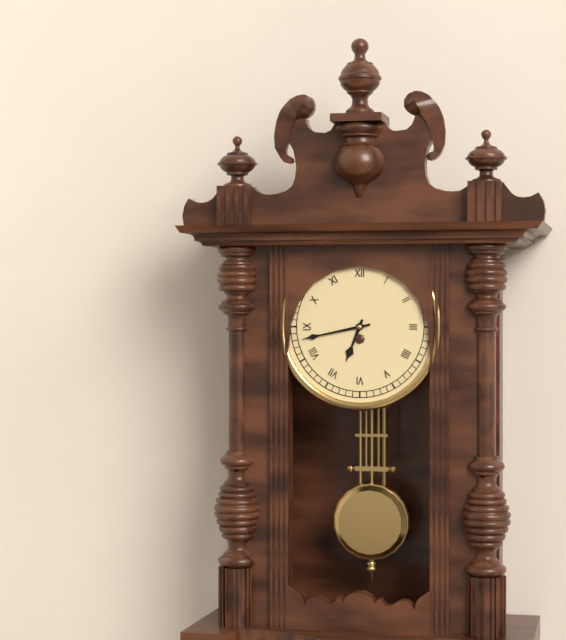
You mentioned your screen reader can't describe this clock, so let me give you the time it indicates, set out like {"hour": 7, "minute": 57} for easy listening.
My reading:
{"hour": 6, "minute": 43}
